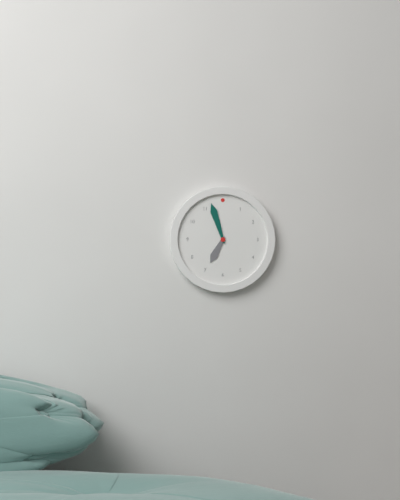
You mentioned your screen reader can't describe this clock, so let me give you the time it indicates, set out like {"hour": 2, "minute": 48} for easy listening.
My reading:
{"hour": 6, "minute": 57}
